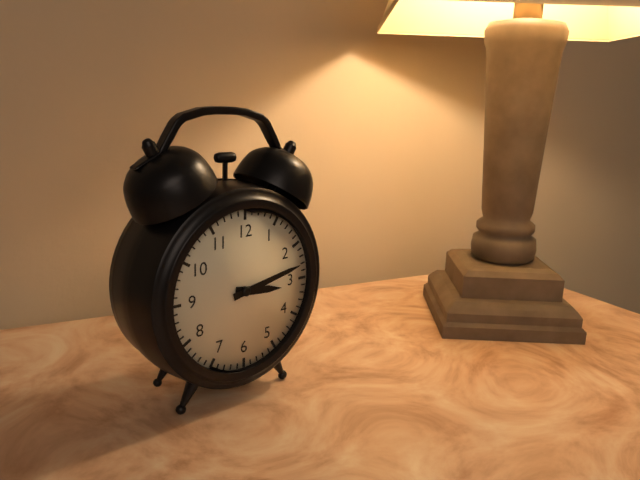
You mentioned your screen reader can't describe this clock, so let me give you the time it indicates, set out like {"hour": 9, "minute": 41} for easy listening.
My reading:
{"hour": 3, "minute": 13}
